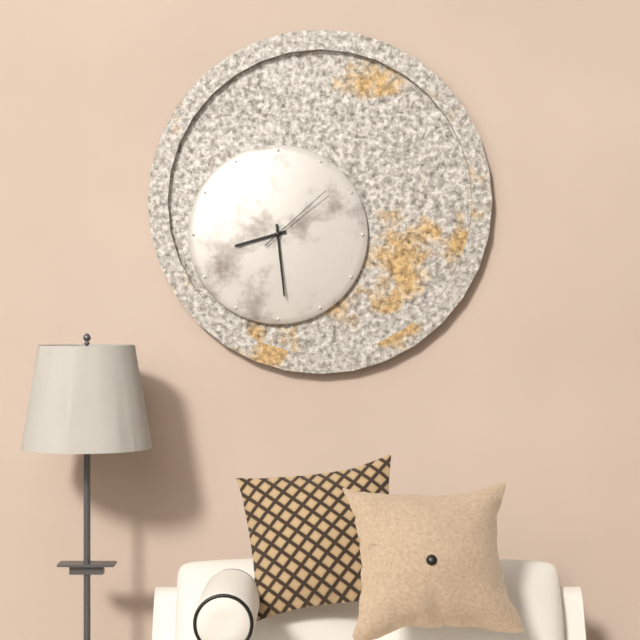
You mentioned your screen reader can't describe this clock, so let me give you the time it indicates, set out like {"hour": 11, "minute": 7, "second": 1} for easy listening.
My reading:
{"hour": 8, "minute": 29, "second": 8}
